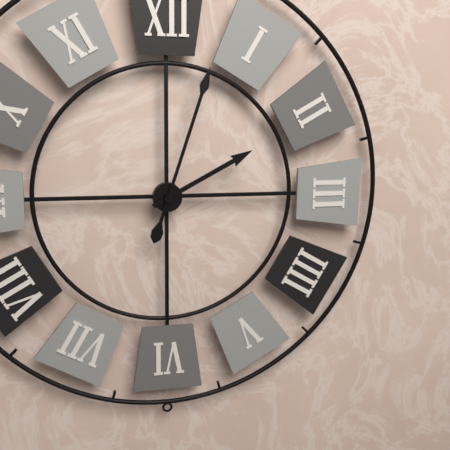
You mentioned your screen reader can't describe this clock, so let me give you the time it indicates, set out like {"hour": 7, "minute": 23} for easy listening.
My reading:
{"hour": 2, "minute": 3}
